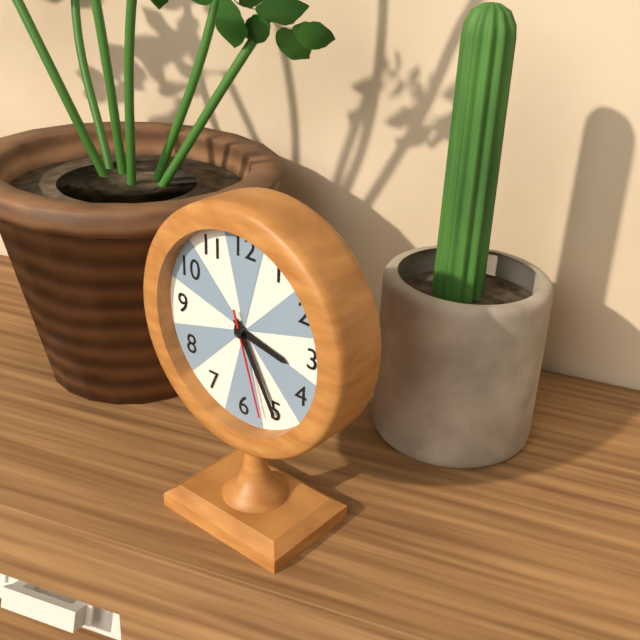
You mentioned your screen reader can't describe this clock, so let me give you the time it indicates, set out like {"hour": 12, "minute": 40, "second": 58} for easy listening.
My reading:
{"hour": 3, "minute": 25, "second": 27}
